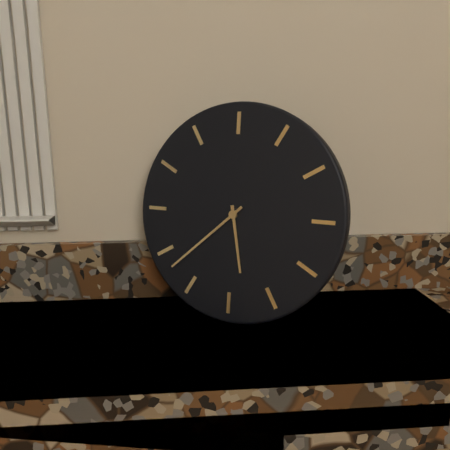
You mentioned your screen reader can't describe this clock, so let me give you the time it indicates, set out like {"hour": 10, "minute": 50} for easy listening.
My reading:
{"hour": 5, "minute": 38}
